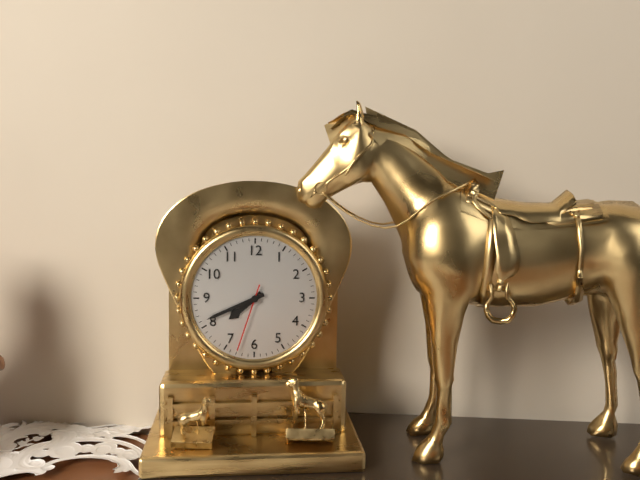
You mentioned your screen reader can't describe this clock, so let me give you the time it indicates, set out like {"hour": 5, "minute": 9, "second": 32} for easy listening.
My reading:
{"hour": 7, "minute": 41, "second": 33}
